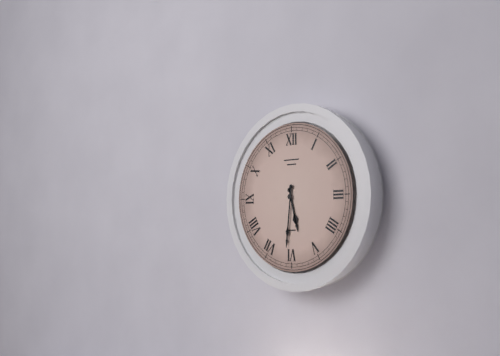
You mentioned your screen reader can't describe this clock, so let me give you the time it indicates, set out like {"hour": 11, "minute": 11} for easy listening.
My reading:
{"hour": 5, "minute": 31}
